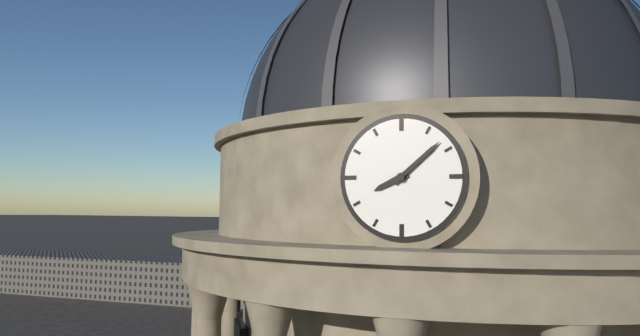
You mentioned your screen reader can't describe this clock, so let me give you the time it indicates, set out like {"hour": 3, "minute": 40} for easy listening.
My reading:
{"hour": 8, "minute": 8}
